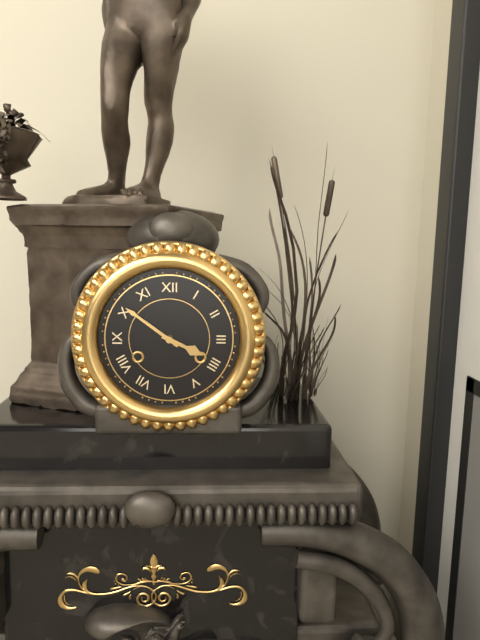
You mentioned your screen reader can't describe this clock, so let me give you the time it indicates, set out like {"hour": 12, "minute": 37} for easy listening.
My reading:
{"hour": 3, "minute": 51}
